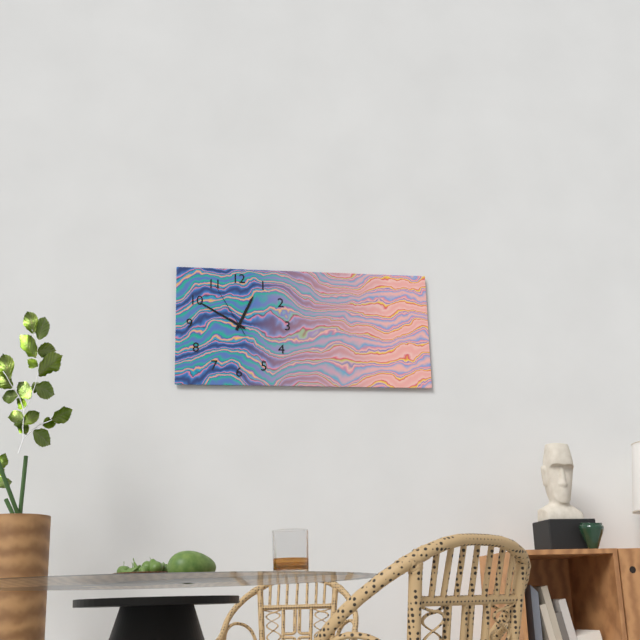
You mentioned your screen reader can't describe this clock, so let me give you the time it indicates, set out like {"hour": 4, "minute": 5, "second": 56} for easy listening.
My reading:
{"hour": 12, "minute": 50, "second": 55}
